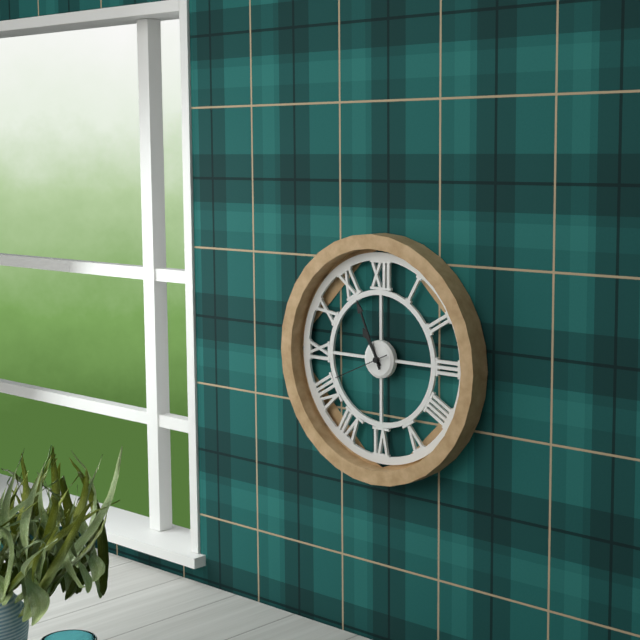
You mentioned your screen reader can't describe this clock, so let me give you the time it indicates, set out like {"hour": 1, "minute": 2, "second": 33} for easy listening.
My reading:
{"hour": 10, "minute": 56, "second": 41}
